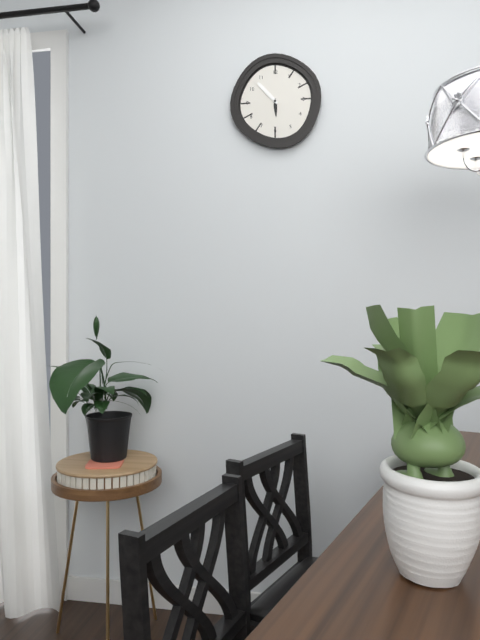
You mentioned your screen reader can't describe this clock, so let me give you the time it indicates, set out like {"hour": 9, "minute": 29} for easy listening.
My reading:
{"hour": 5, "minute": 53}
